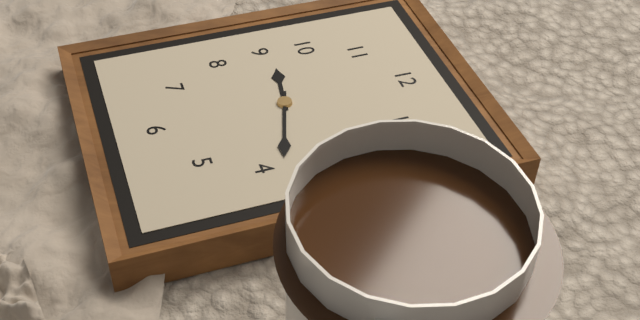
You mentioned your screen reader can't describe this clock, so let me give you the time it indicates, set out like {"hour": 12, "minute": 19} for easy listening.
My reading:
{"hour": 9, "minute": 18}
